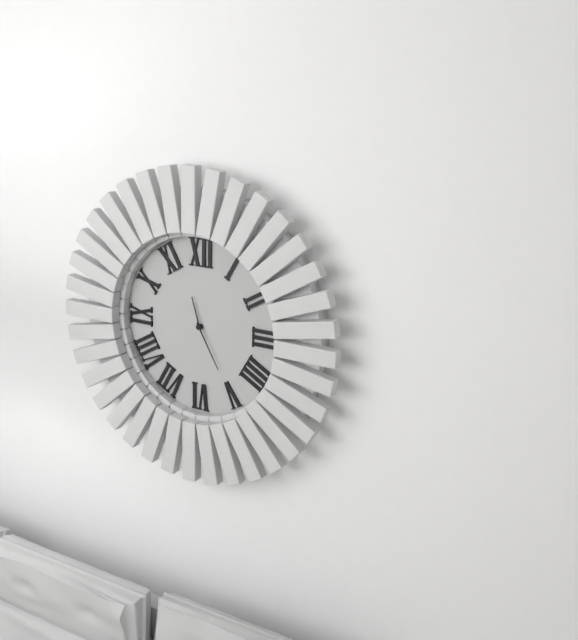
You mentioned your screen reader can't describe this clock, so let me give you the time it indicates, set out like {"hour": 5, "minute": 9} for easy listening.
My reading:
{"hour": 11, "minute": 25}
